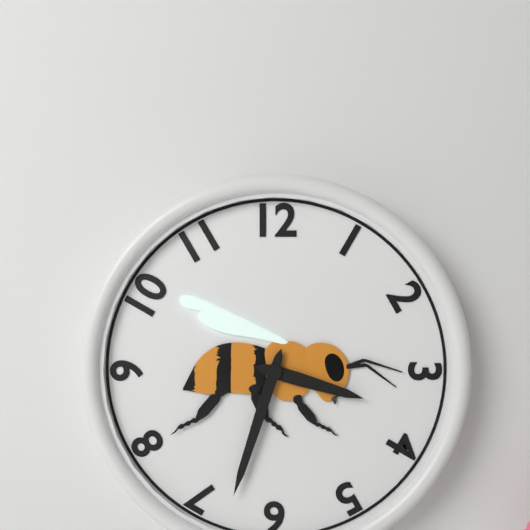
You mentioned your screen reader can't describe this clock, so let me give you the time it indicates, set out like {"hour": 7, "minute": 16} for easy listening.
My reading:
{"hour": 3, "minute": 33}
